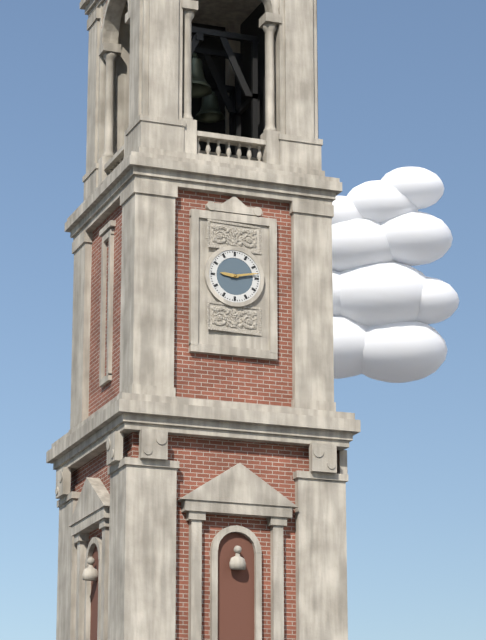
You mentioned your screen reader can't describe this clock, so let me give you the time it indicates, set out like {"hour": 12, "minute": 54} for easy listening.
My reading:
{"hour": 9, "minute": 13}
